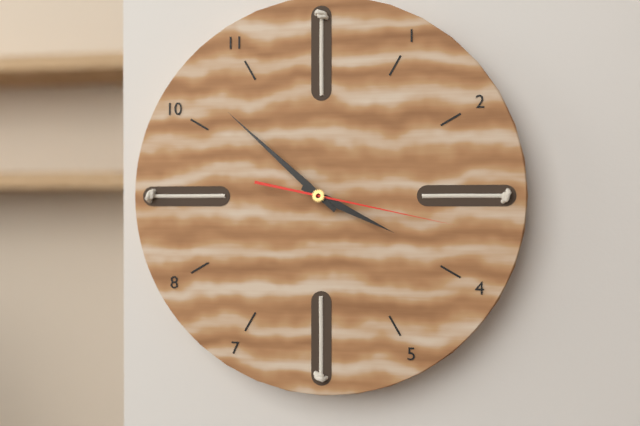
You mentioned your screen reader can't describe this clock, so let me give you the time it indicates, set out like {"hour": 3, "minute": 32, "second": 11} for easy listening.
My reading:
{"hour": 3, "minute": 52, "second": 17}
